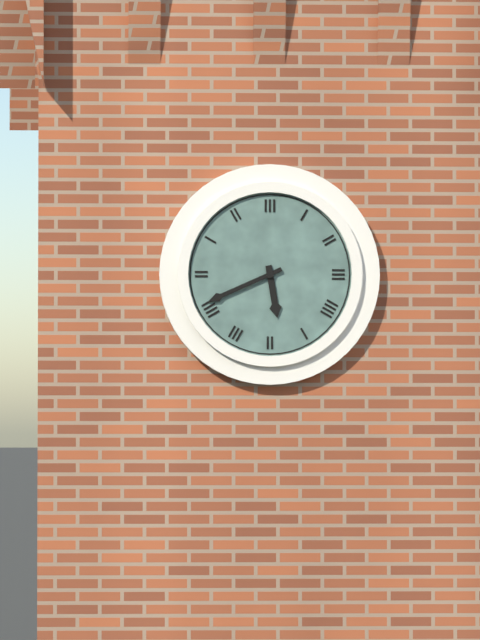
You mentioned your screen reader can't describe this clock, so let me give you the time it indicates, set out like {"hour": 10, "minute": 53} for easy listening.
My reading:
{"hour": 5, "minute": 41}
